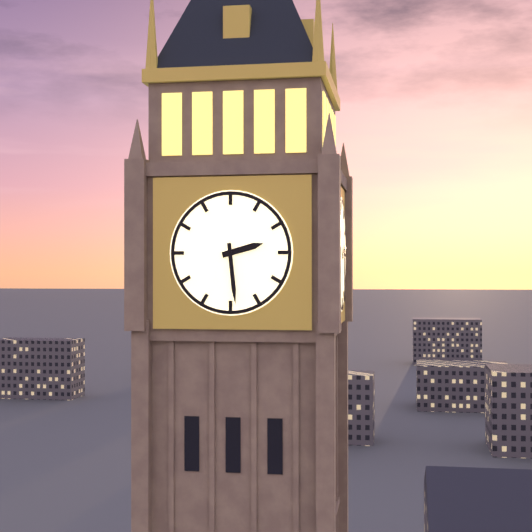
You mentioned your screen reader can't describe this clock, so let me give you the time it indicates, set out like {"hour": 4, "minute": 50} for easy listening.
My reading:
{"hour": 2, "minute": 29}
